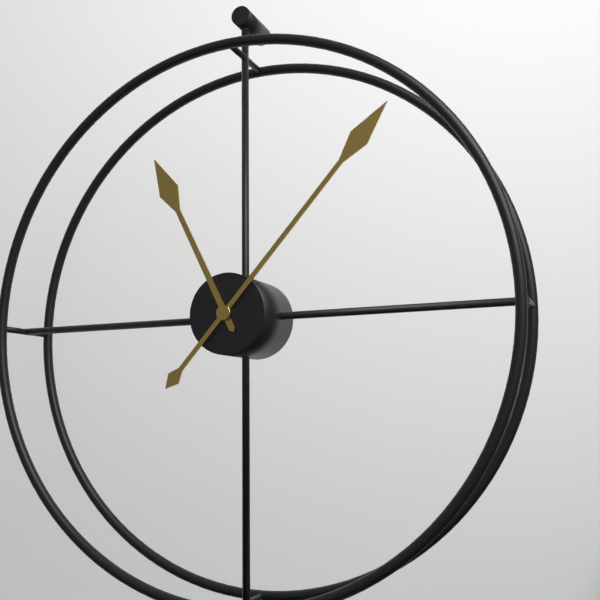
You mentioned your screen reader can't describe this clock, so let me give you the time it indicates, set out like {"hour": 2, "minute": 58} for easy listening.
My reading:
{"hour": 11, "minute": 7}
